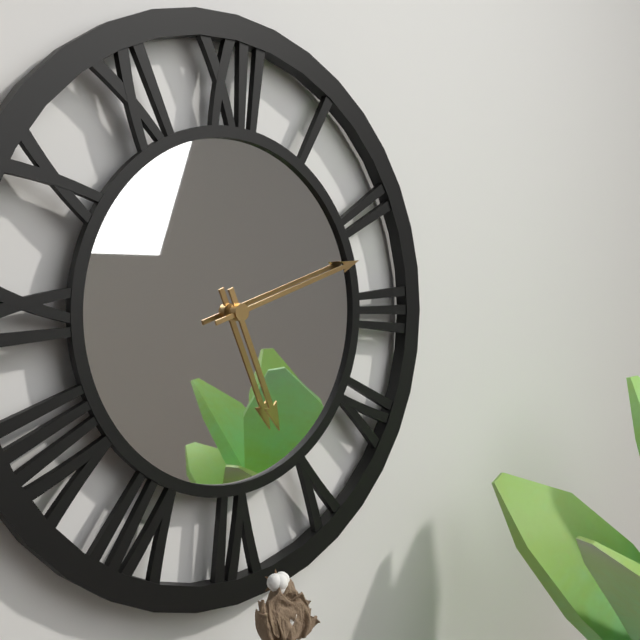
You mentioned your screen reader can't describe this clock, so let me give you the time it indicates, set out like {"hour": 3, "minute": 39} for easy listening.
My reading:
{"hour": 5, "minute": 12}
